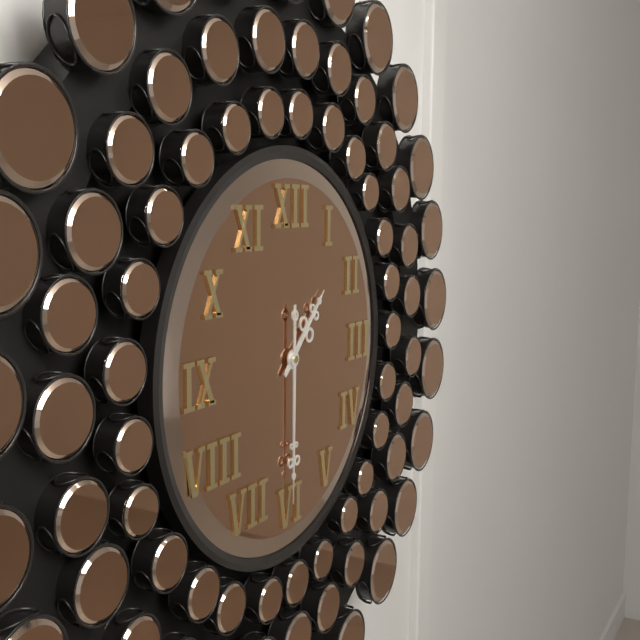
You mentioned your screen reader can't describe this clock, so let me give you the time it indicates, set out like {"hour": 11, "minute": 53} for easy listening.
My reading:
{"hour": 1, "minute": 30}
